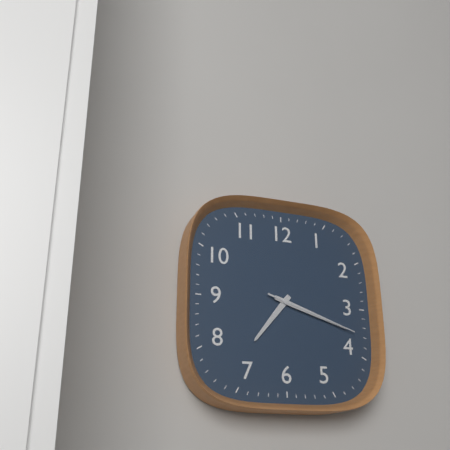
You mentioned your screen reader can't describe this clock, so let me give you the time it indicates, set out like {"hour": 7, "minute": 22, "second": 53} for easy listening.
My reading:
{"hour": 7, "minute": 18, "second": 18}
